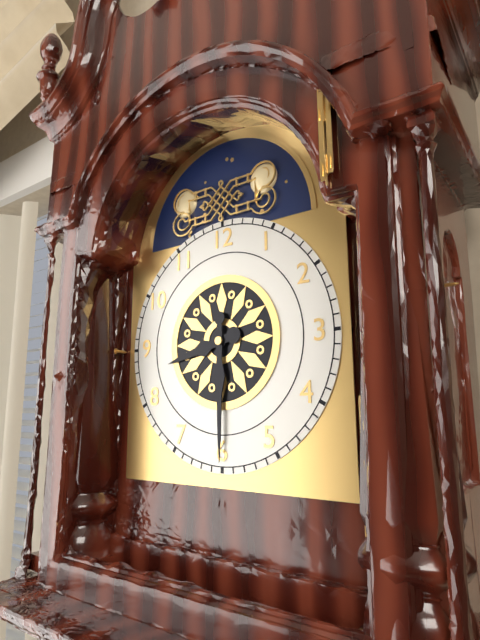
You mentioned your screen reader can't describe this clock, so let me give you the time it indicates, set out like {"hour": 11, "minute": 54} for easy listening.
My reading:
{"hour": 8, "minute": 30}
